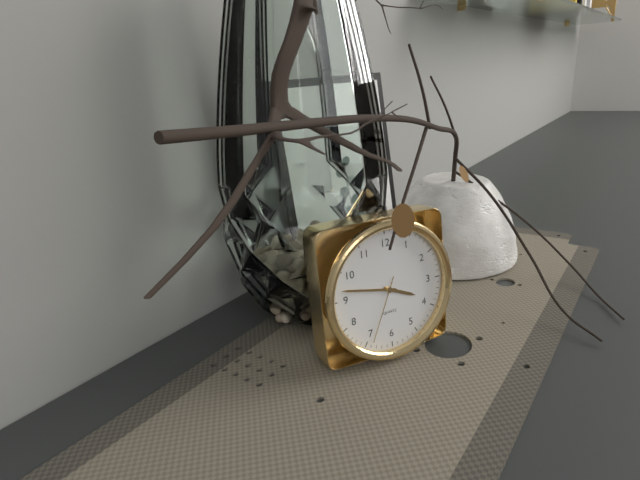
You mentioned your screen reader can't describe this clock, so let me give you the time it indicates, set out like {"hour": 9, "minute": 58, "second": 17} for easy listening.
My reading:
{"hour": 3, "minute": 47, "second": 34}
